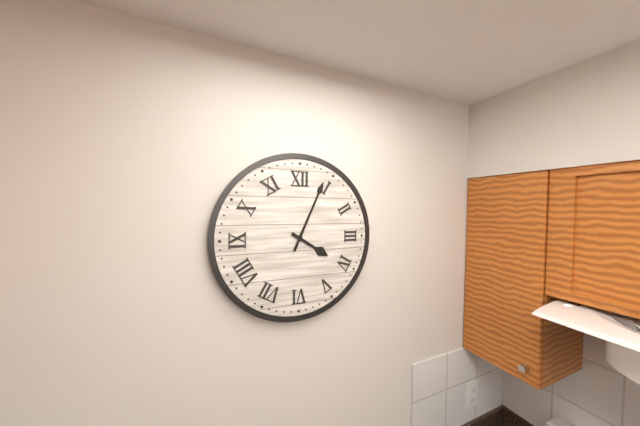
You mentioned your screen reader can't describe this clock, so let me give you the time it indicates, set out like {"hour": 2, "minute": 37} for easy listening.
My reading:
{"hour": 4, "minute": 4}
